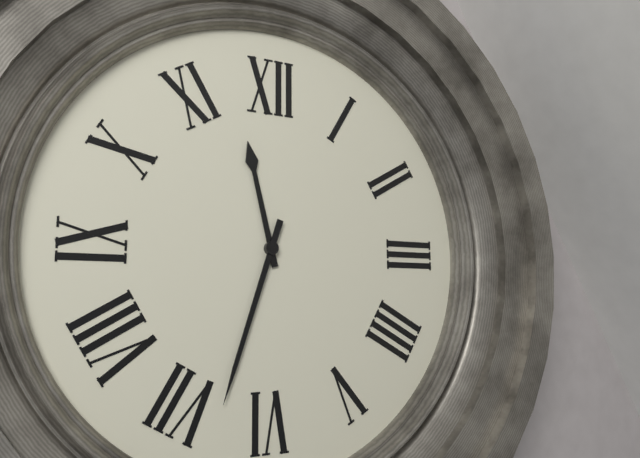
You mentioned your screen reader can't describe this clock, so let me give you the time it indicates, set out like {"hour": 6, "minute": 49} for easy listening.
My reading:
{"hour": 11, "minute": 33}
